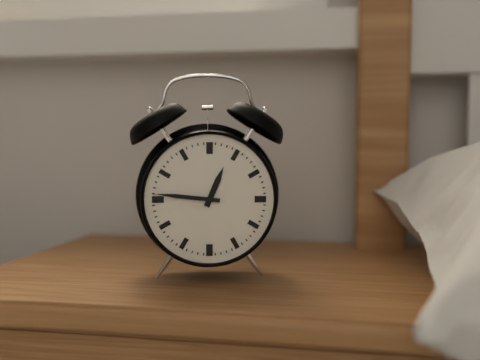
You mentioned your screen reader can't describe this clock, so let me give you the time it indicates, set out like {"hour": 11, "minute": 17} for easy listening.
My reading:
{"hour": 12, "minute": 46}
